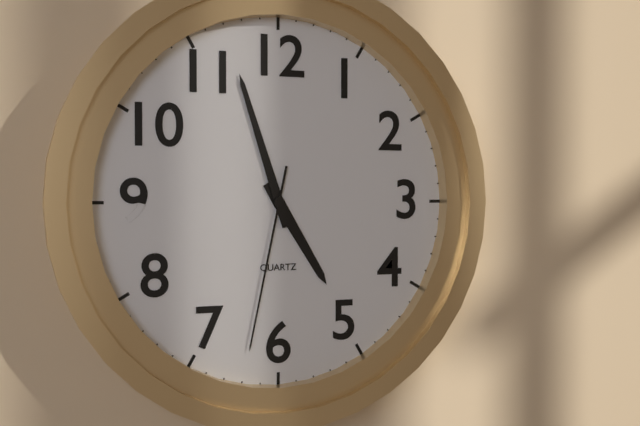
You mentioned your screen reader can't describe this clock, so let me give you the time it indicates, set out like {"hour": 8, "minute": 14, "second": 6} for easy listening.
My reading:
{"hour": 4, "minute": 57, "second": 32}
